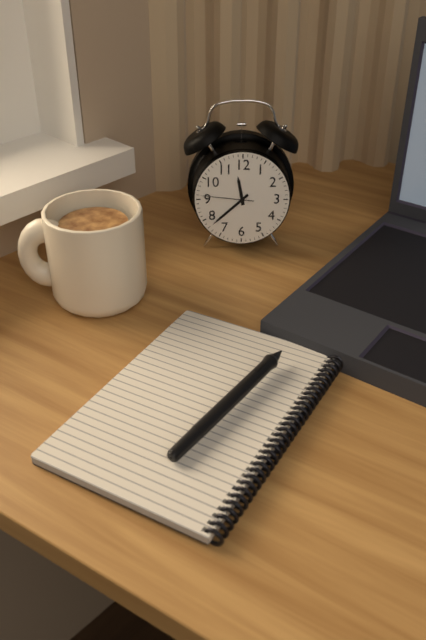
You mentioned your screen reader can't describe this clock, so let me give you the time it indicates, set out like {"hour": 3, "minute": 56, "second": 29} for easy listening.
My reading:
{"hour": 11, "minute": 38, "second": 46}
